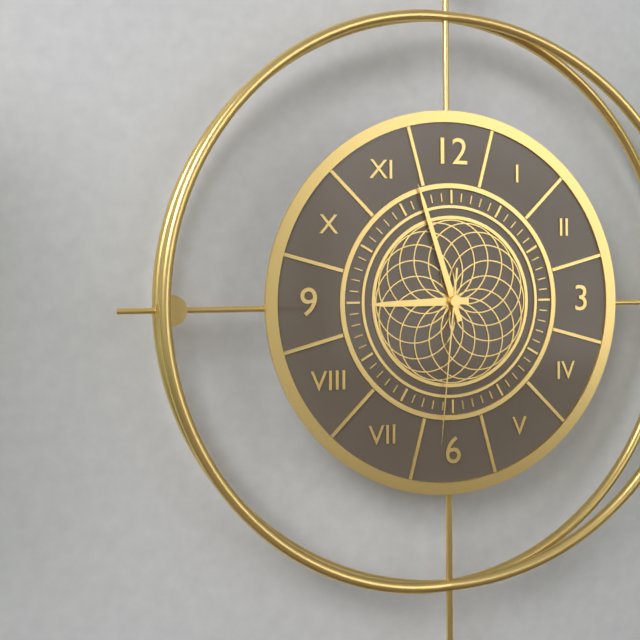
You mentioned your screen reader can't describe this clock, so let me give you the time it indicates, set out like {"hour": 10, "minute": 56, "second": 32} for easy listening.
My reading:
{"hour": 8, "minute": 57, "second": 31}
